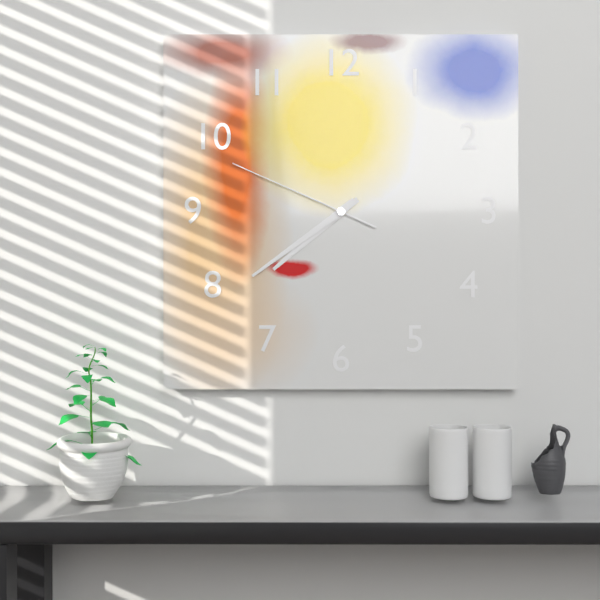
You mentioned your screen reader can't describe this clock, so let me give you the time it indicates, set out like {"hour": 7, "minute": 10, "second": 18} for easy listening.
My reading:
{"hour": 7, "minute": 39, "second": 49}
